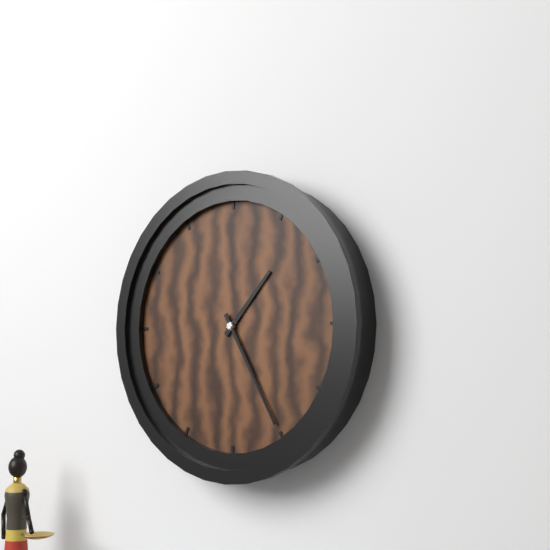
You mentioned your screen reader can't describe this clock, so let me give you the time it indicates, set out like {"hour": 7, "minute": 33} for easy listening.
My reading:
{"hour": 1, "minute": 25}
